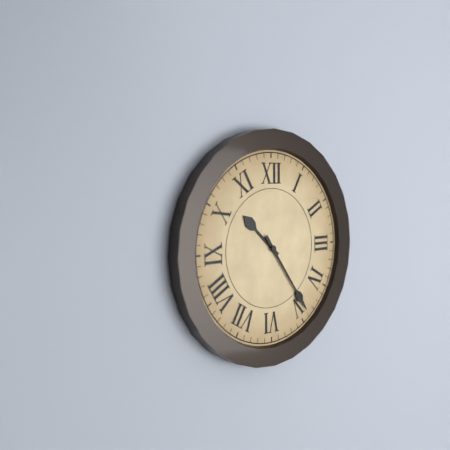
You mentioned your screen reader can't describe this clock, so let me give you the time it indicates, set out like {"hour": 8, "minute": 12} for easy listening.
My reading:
{"hour": 10, "minute": 24}
